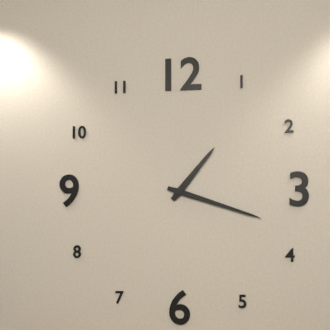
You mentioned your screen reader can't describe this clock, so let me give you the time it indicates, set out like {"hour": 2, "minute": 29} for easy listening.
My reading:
{"hour": 1, "minute": 18}
